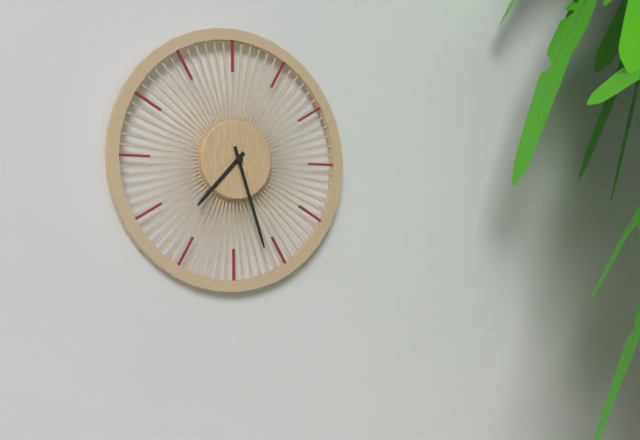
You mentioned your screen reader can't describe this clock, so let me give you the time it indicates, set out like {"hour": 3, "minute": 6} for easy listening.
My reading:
{"hour": 7, "minute": 27}
